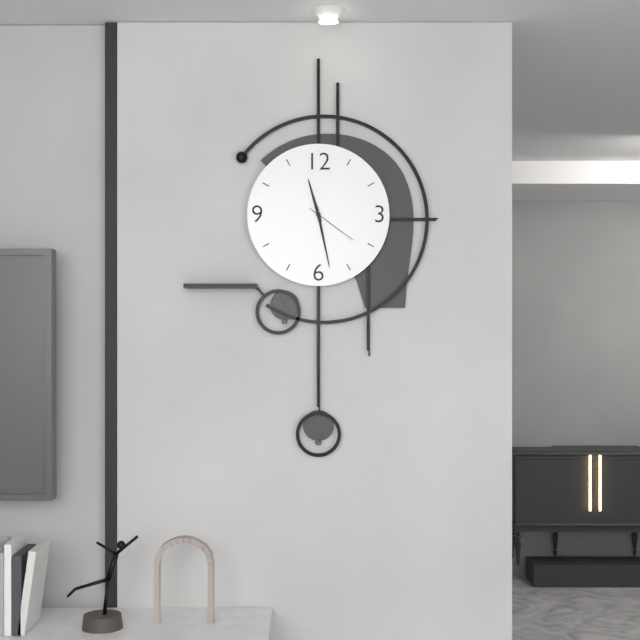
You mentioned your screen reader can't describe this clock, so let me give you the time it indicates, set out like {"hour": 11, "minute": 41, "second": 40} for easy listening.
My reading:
{"hour": 11, "minute": 28, "second": 21}
